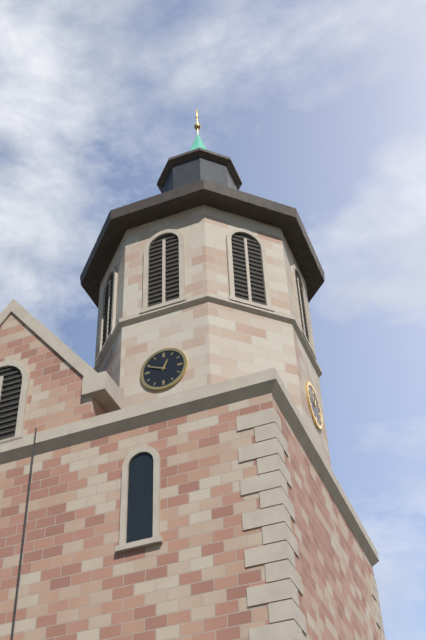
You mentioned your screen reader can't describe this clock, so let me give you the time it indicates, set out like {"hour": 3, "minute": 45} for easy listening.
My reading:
{"hour": 12, "minute": 49}
